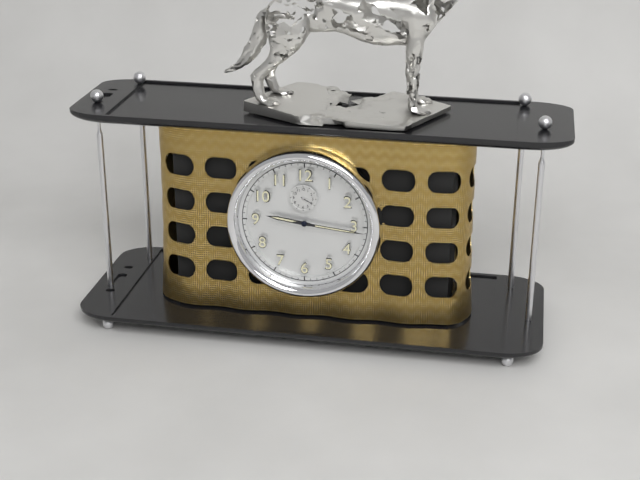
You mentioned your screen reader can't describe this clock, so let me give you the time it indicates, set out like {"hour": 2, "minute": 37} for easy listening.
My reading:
{"hour": 9, "minute": 16}
